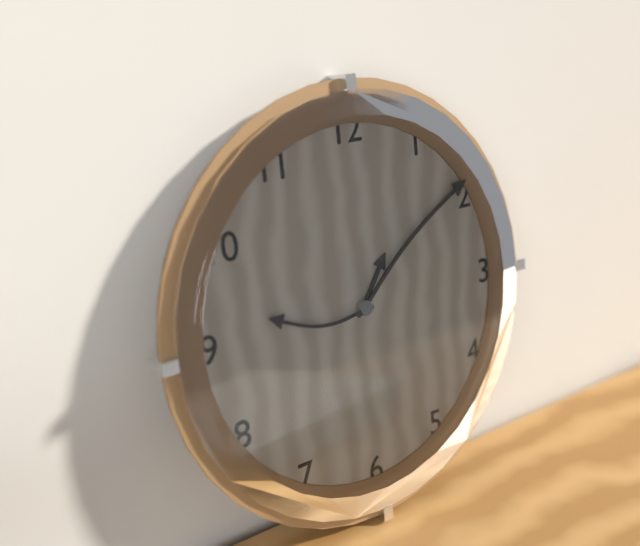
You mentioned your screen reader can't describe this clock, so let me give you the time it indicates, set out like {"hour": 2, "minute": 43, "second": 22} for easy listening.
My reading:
{"hour": 1, "minute": 9, "second": 46}
